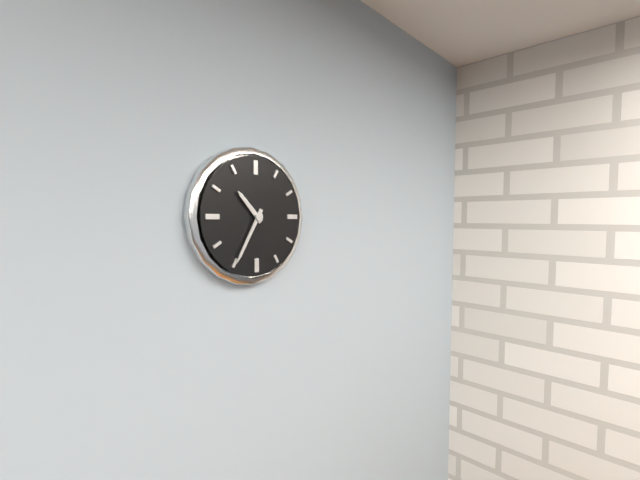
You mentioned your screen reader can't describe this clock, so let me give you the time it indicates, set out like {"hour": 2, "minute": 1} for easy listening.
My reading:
{"hour": 10, "minute": 35}
